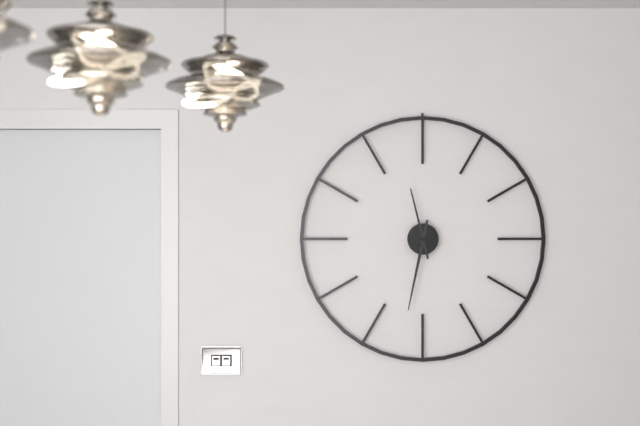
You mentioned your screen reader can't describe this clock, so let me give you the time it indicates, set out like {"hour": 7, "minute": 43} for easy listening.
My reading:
{"hour": 11, "minute": 32}
